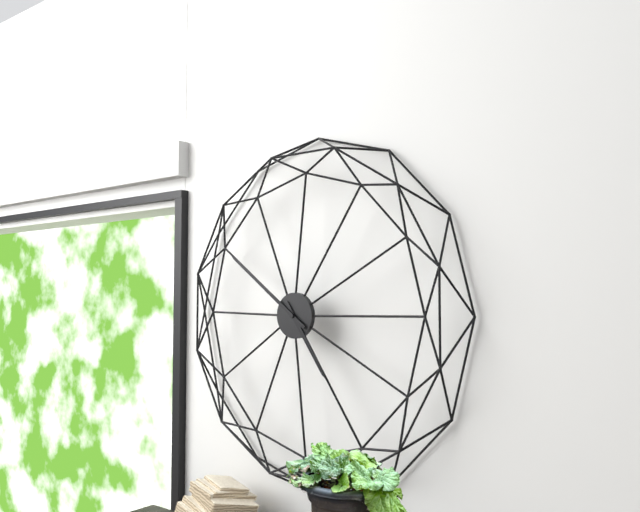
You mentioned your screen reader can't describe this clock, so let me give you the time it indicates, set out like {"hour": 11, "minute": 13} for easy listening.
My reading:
{"hour": 4, "minute": 51}
